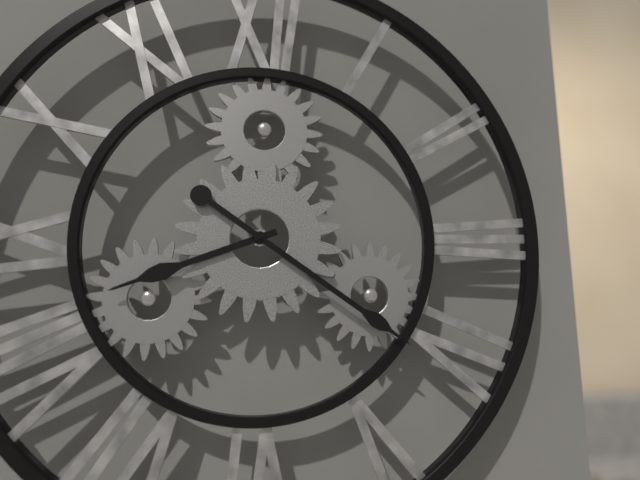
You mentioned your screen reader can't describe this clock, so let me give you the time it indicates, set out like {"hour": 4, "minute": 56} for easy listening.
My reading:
{"hour": 8, "minute": 21}
